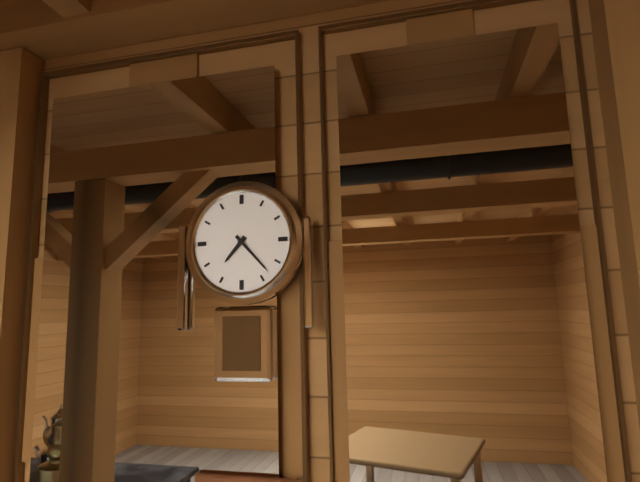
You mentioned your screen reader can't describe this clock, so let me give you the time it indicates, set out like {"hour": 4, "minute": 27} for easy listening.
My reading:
{"hour": 7, "minute": 23}
